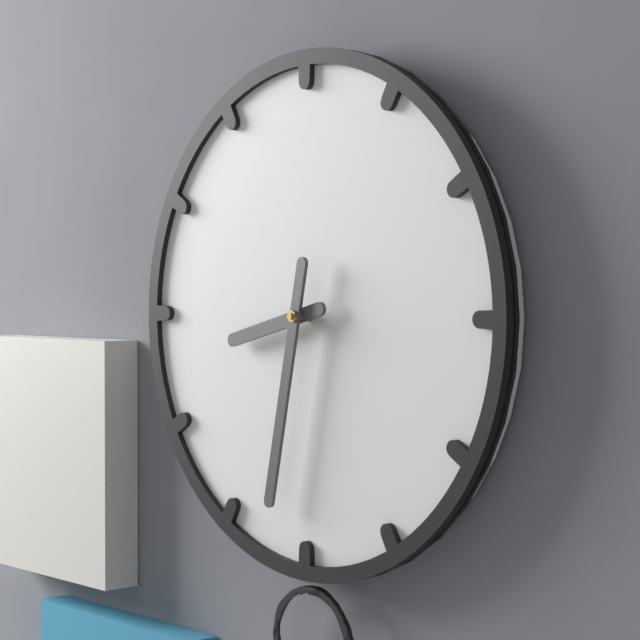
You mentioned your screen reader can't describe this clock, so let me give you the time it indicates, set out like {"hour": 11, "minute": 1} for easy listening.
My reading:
{"hour": 8, "minute": 32}
